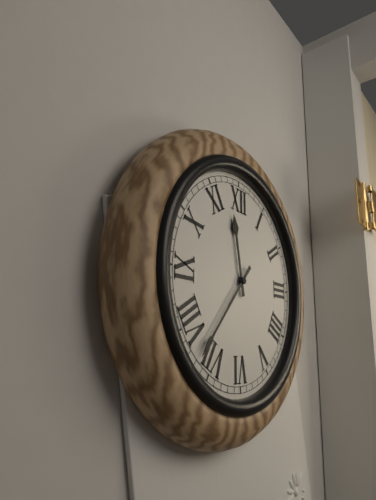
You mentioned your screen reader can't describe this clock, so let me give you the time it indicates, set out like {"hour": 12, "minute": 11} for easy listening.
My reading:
{"hour": 11, "minute": 37}
